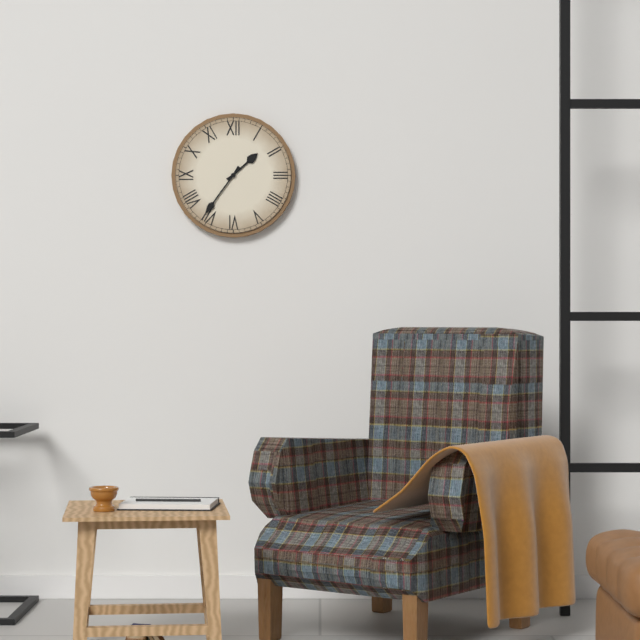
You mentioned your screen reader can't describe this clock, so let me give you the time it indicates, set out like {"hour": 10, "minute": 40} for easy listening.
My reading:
{"hour": 1, "minute": 36}
